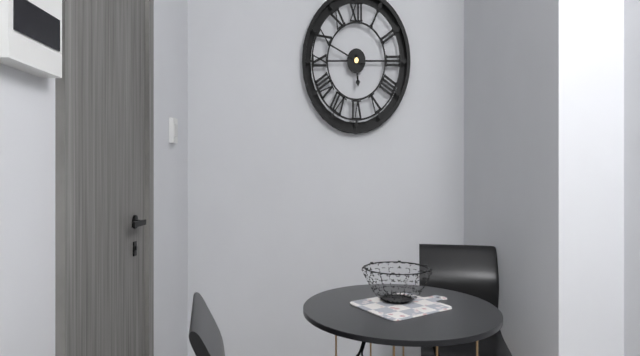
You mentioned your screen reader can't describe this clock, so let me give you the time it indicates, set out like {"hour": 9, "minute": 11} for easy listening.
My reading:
{"hour": 5, "minute": 49}
